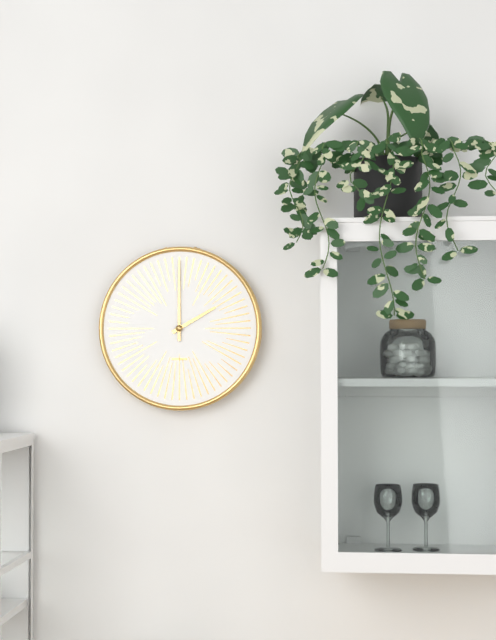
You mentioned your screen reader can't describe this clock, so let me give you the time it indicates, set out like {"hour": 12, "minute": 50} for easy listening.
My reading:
{"hour": 2, "minute": 0}
